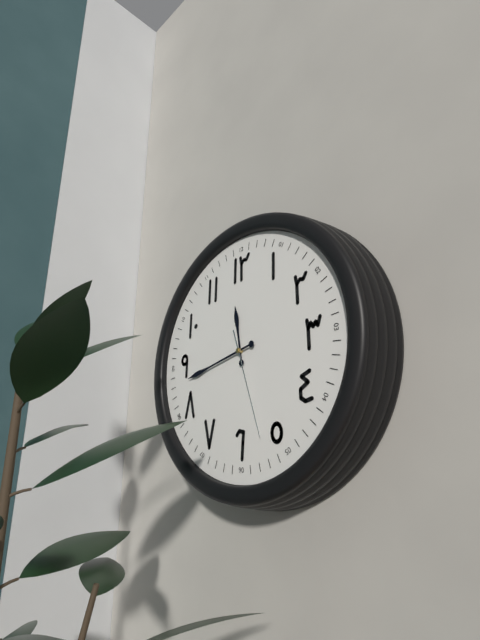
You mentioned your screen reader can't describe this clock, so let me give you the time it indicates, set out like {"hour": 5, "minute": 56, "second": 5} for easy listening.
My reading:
{"hour": 11, "minute": 43, "second": 27}
